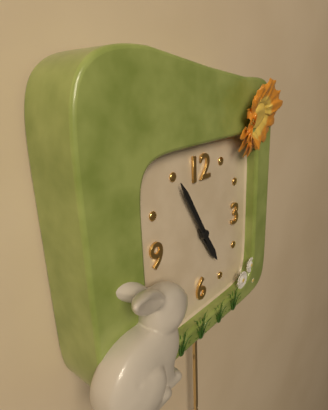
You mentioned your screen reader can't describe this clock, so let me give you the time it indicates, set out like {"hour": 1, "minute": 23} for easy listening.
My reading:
{"hour": 4, "minute": 55}
